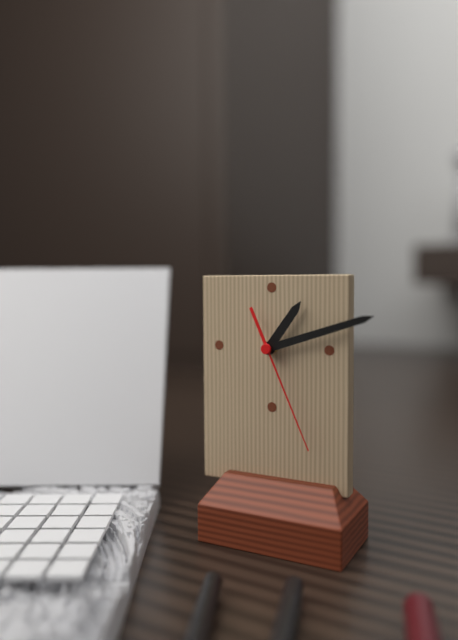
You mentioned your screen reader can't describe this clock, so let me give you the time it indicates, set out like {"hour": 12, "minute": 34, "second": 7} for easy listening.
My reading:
{"hour": 1, "minute": 12, "second": 26}
